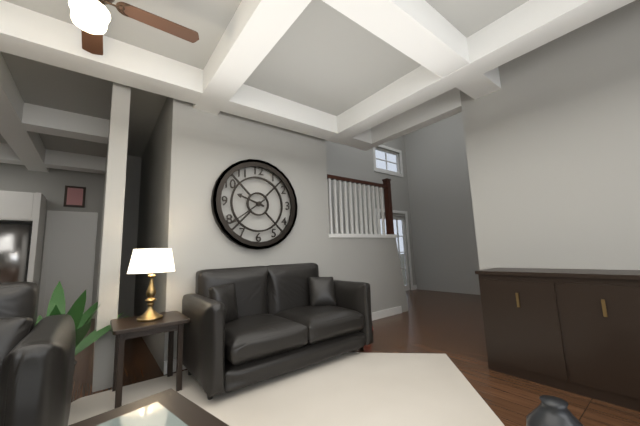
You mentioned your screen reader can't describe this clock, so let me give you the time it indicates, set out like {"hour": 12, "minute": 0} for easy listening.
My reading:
{"hour": 9, "minute": 39}
